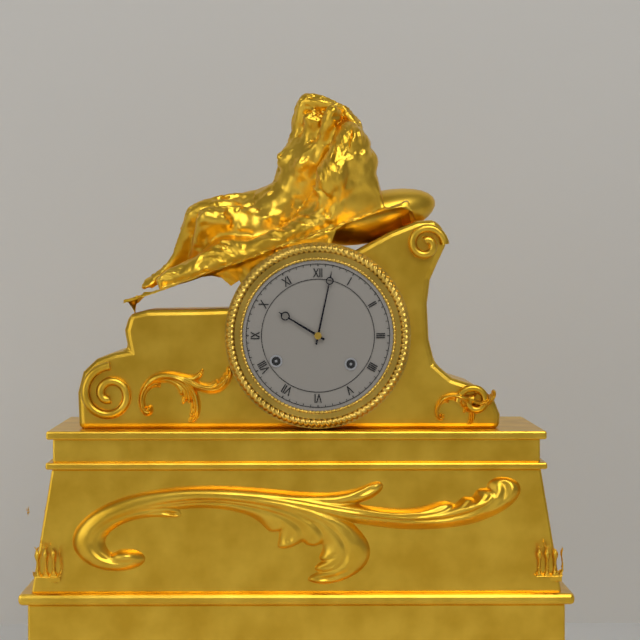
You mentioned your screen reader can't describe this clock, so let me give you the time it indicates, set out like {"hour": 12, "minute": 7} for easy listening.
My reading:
{"hour": 10, "minute": 2}
